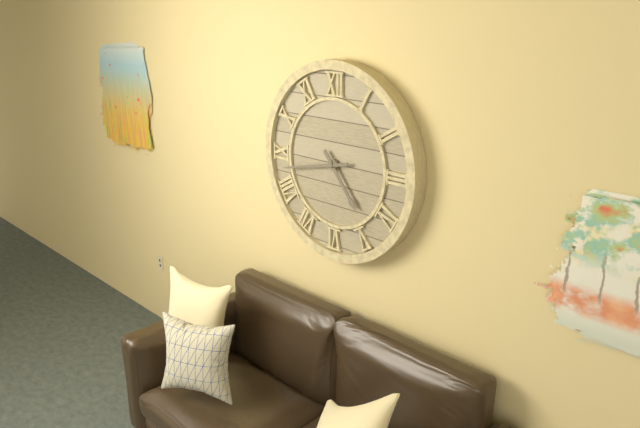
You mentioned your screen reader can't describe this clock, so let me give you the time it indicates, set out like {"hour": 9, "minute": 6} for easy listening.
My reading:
{"hour": 4, "minute": 43}
